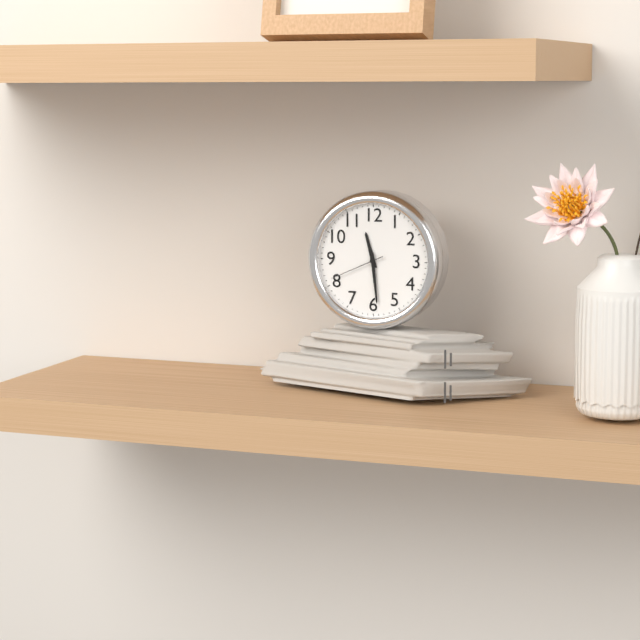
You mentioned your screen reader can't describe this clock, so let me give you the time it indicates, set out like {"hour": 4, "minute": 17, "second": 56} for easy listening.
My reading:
{"hour": 11, "minute": 29, "second": 41}
